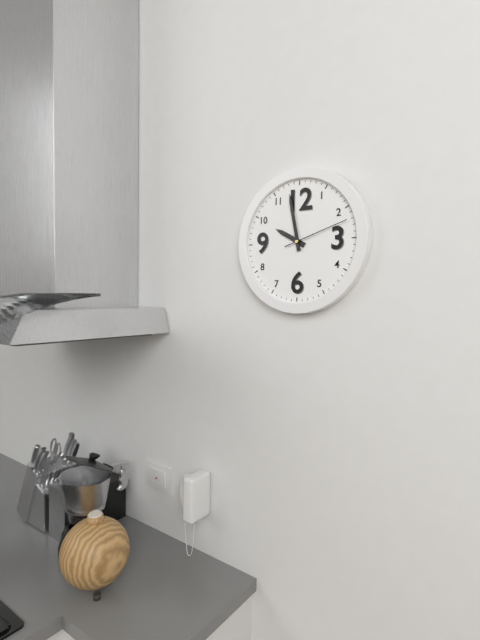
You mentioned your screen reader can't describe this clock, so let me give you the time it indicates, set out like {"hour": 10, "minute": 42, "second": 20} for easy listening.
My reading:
{"hour": 9, "minute": 58, "second": 12}
